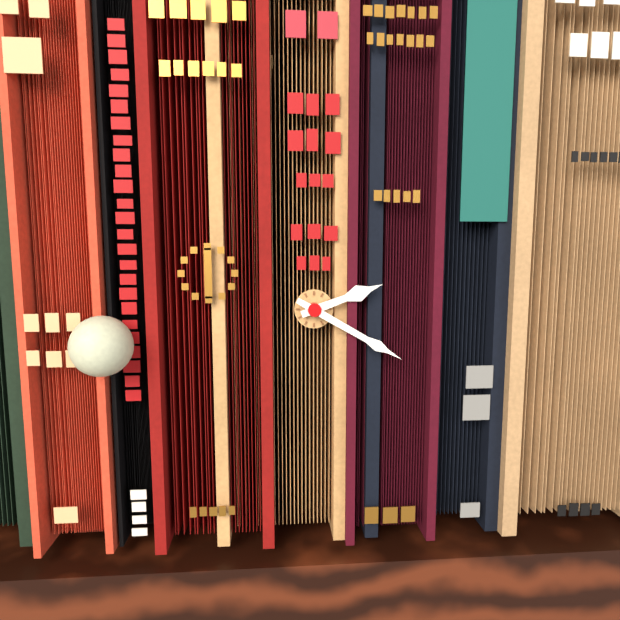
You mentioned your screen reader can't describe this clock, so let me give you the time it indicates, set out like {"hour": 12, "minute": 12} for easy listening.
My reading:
{"hour": 2, "minute": 20}
